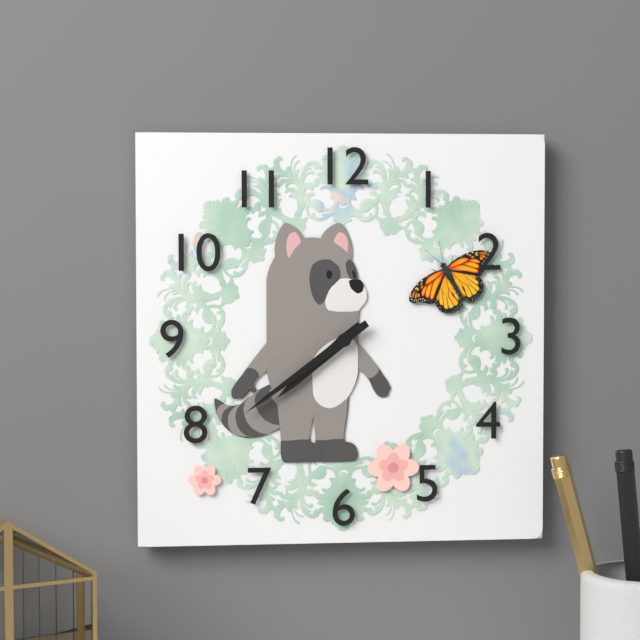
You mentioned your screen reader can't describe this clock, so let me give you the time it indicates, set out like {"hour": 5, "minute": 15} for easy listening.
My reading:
{"hour": 7, "minute": 39}
